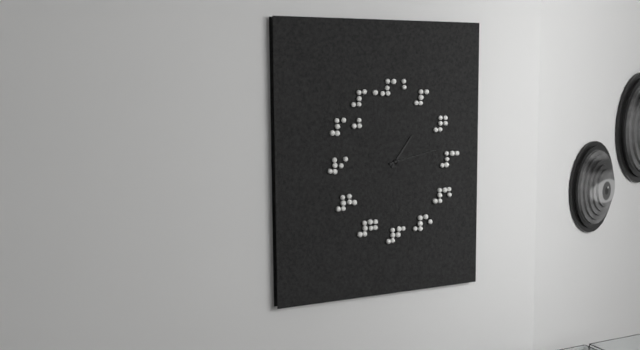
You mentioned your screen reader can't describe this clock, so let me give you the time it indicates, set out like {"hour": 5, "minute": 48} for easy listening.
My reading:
{"hour": 1, "minute": 13}
